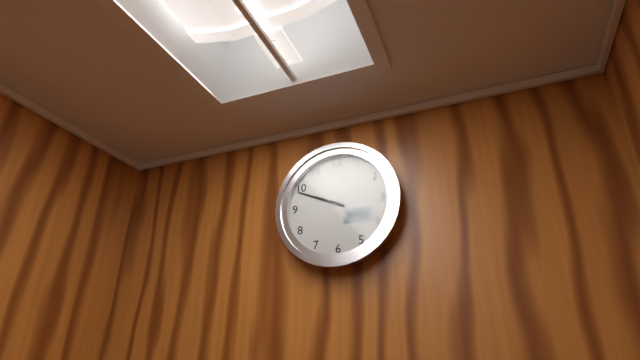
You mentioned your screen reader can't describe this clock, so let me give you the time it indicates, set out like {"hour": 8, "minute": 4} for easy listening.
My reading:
{"hour": 9, "minute": 49}
